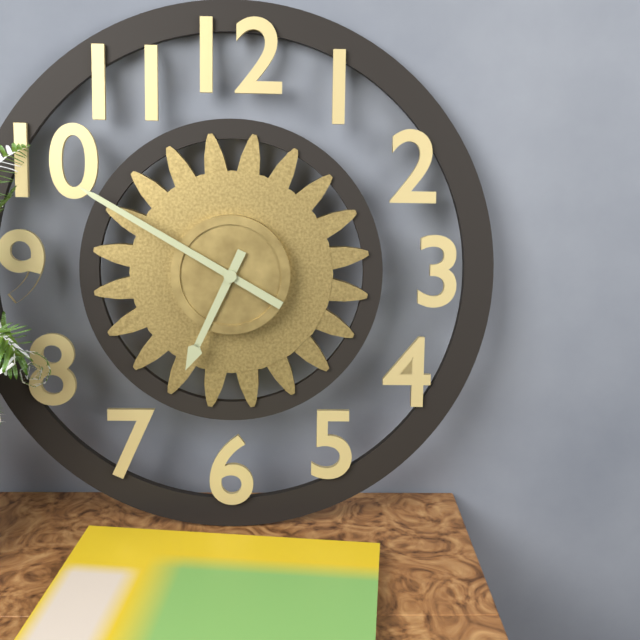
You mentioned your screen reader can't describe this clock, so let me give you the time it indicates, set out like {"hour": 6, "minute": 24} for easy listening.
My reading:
{"hour": 6, "minute": 50}
